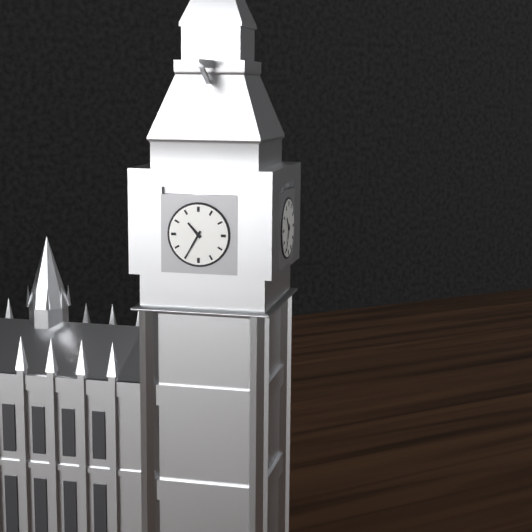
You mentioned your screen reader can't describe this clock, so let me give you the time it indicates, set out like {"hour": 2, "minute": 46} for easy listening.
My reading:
{"hour": 10, "minute": 35}
